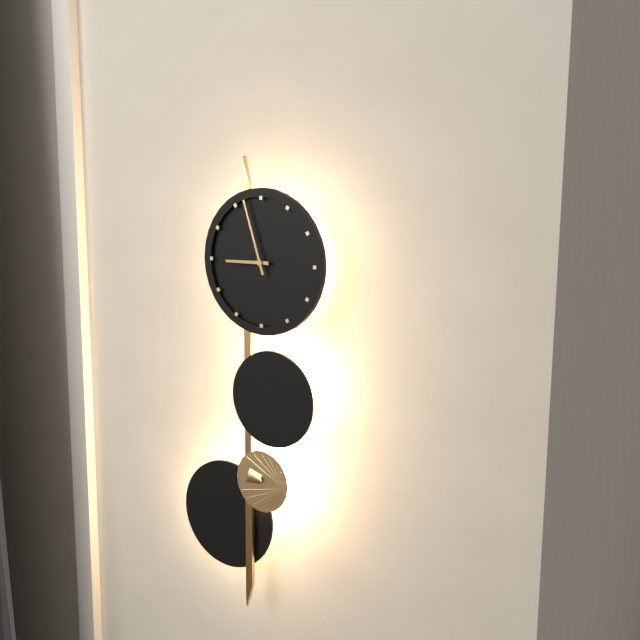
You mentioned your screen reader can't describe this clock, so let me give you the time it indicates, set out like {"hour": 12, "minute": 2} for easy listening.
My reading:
{"hour": 8, "minute": 57}
